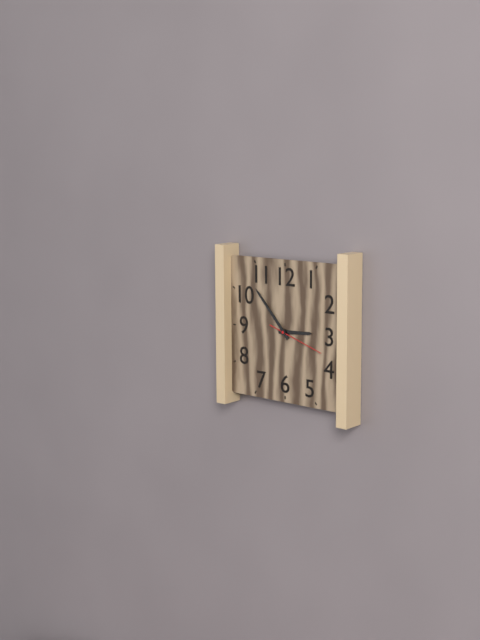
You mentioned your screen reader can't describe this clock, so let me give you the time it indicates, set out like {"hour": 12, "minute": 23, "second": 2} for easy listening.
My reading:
{"hour": 2, "minute": 53, "second": 18}
